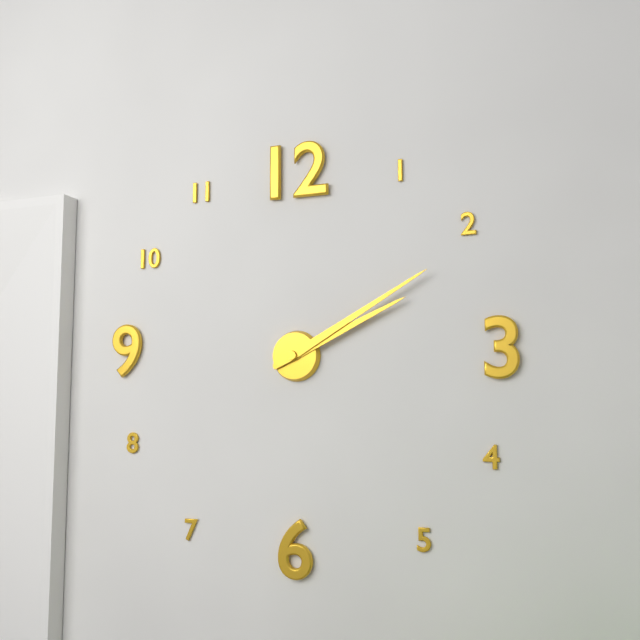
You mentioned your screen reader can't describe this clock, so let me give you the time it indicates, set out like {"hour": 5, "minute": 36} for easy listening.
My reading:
{"hour": 2, "minute": 10}
